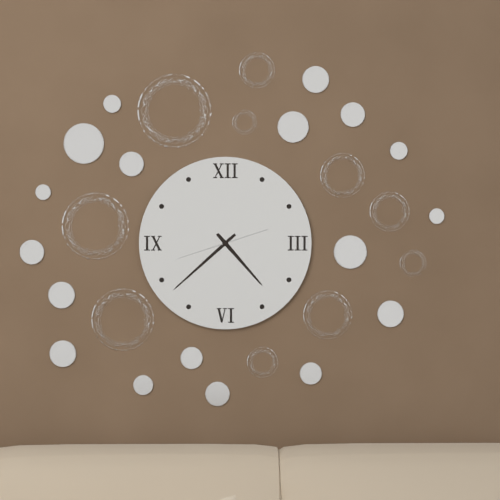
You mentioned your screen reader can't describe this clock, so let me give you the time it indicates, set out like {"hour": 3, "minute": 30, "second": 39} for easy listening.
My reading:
{"hour": 4, "minute": 38, "second": 42}
